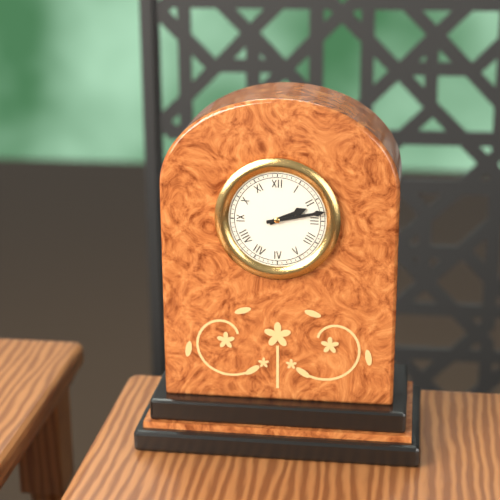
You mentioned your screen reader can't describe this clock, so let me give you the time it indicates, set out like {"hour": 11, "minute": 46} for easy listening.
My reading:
{"hour": 2, "minute": 13}
